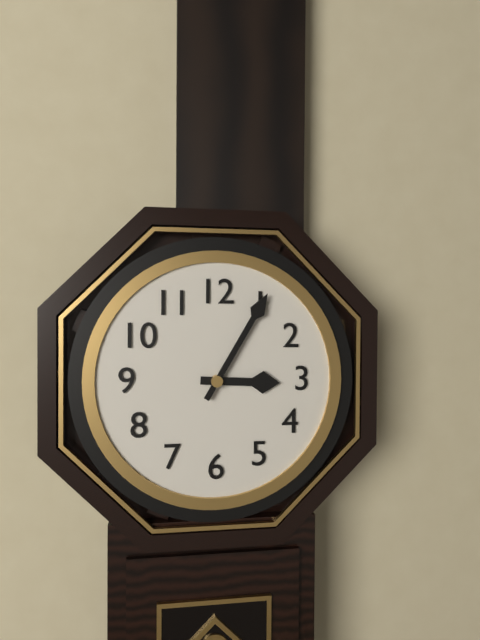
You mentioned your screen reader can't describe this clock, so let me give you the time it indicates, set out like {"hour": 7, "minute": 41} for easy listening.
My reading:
{"hour": 3, "minute": 5}
